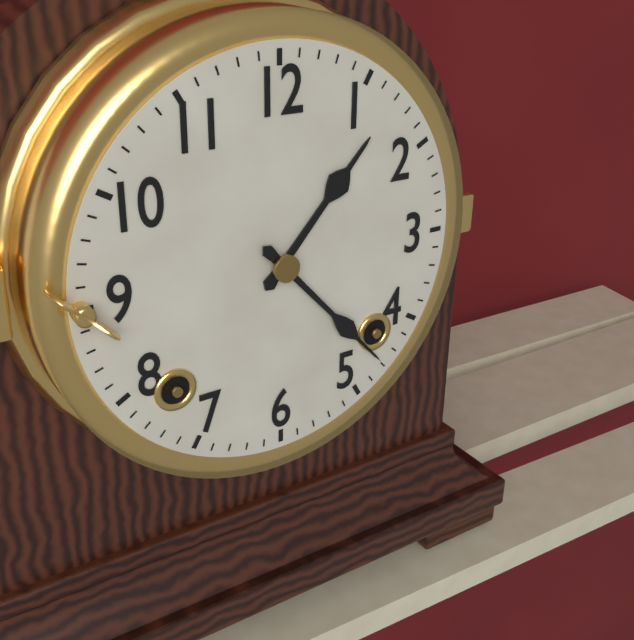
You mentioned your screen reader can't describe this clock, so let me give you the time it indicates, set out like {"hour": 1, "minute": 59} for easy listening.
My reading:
{"hour": 1, "minute": 23}
